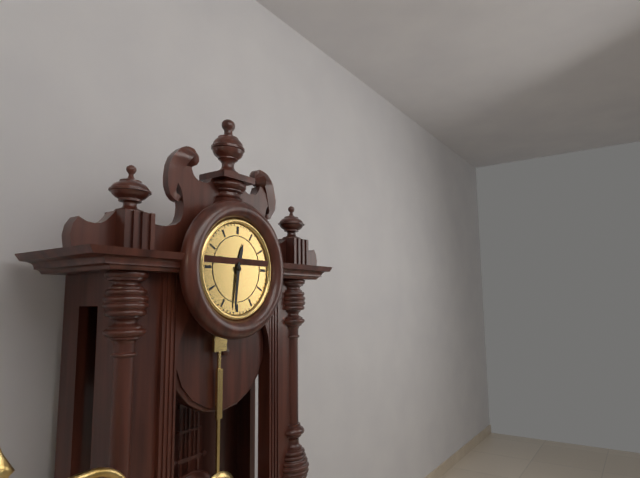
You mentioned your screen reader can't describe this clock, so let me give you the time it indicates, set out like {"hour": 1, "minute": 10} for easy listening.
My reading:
{"hour": 12, "minute": 31}
